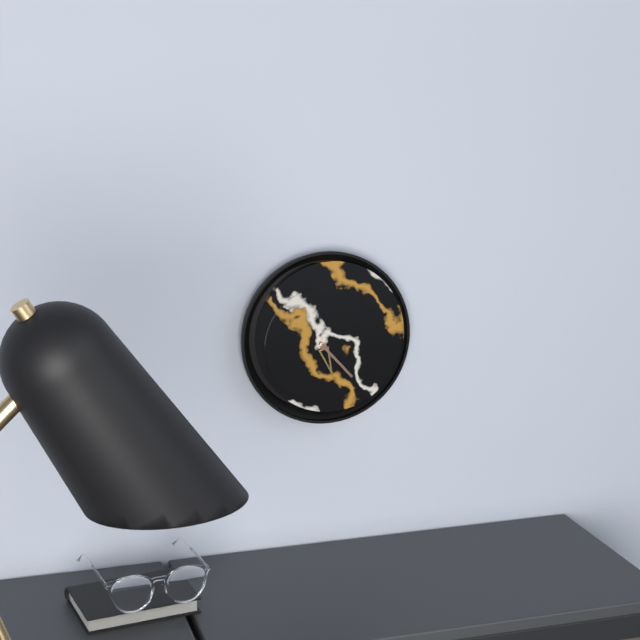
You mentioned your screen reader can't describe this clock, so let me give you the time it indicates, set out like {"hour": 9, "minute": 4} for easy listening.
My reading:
{"hour": 5, "minute": 23}
